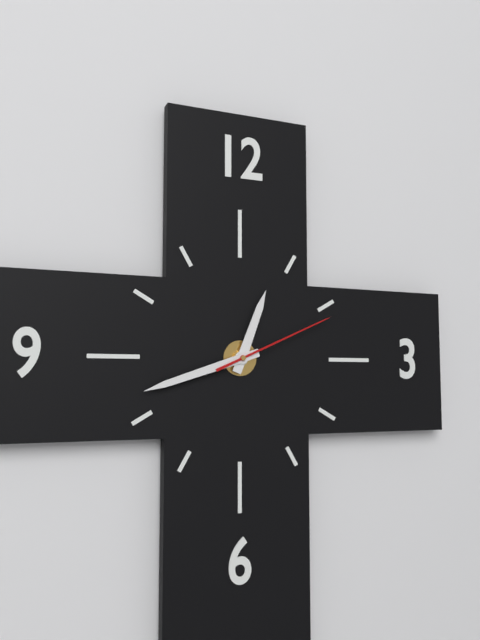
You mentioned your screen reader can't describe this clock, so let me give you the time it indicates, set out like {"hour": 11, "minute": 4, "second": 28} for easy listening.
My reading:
{"hour": 12, "minute": 42, "second": 11}
